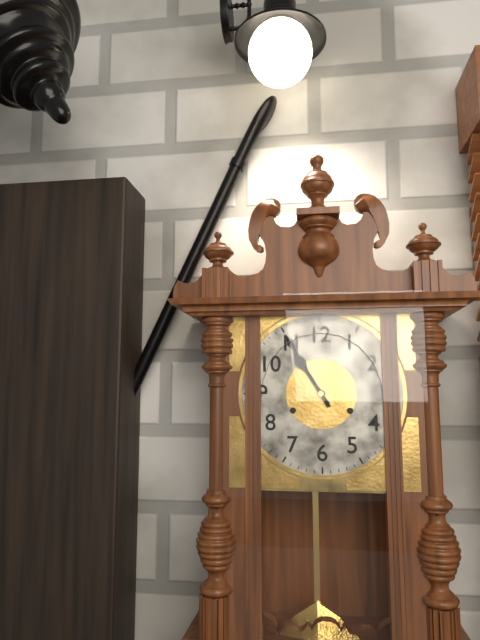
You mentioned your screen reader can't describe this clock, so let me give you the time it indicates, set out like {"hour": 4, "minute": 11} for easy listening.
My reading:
{"hour": 10, "minute": 55}
